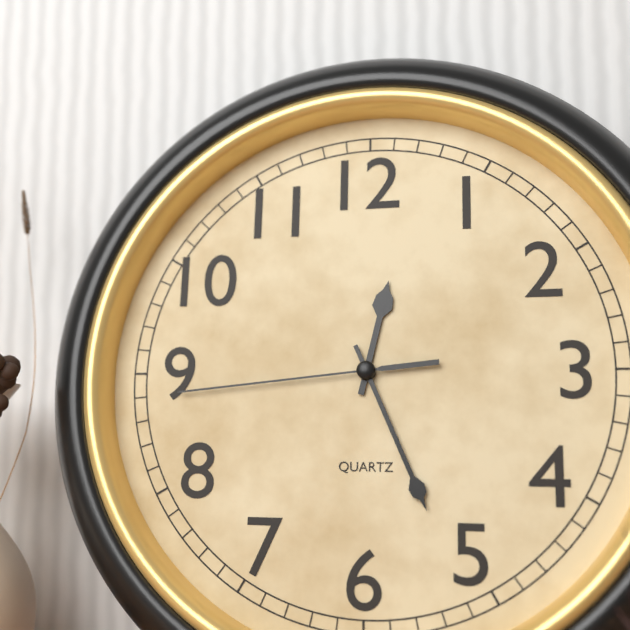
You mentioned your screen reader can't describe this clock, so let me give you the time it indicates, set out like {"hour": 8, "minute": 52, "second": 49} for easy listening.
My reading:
{"hour": 12, "minute": 26, "second": 44}
